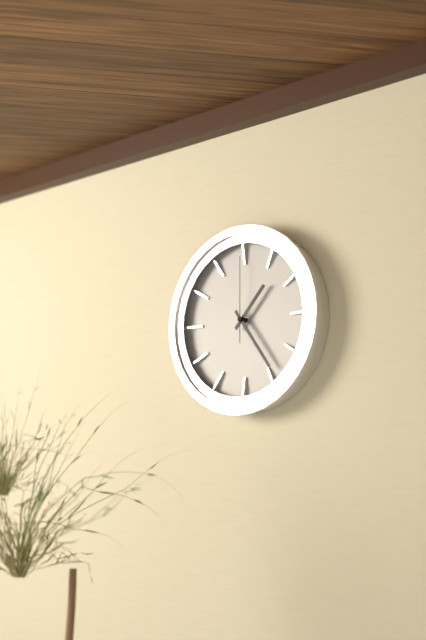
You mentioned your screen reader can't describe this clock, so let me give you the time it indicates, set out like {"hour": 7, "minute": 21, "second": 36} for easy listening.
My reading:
{"hour": 1, "minute": 24, "second": 0}
